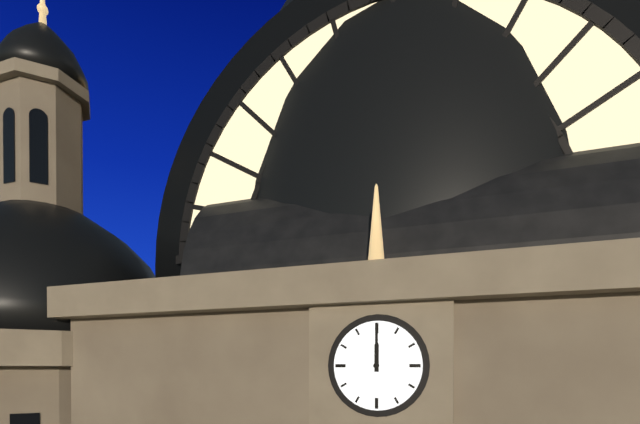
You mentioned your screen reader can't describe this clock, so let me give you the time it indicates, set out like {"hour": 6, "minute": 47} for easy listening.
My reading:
{"hour": 12, "minute": 0}
